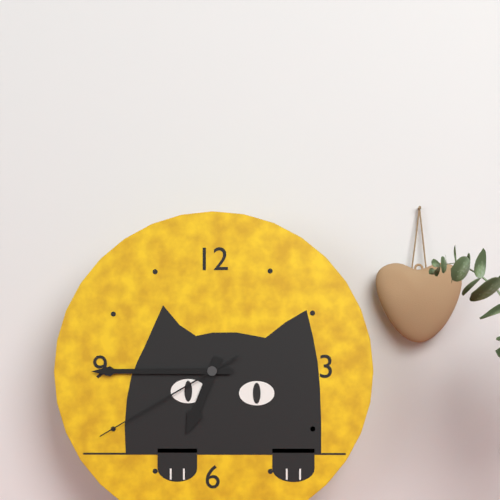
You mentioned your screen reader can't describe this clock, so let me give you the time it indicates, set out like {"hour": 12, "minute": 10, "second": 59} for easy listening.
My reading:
{"hour": 6, "minute": 45, "second": 40}
